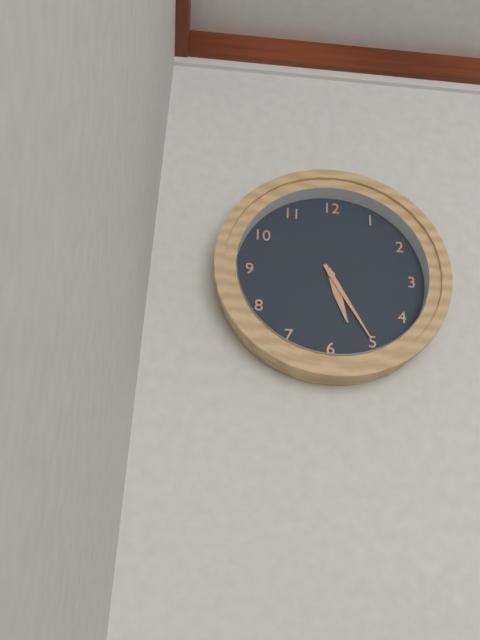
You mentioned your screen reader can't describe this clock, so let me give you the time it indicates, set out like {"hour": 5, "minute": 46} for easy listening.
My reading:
{"hour": 5, "minute": 25}
